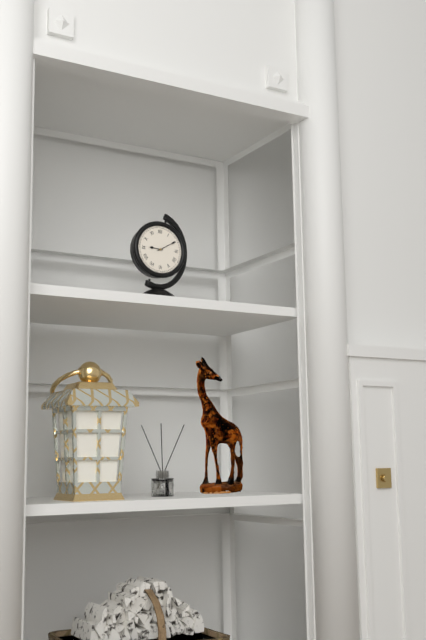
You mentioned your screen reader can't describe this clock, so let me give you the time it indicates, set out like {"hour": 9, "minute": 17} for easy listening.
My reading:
{"hour": 9, "minute": 10}
